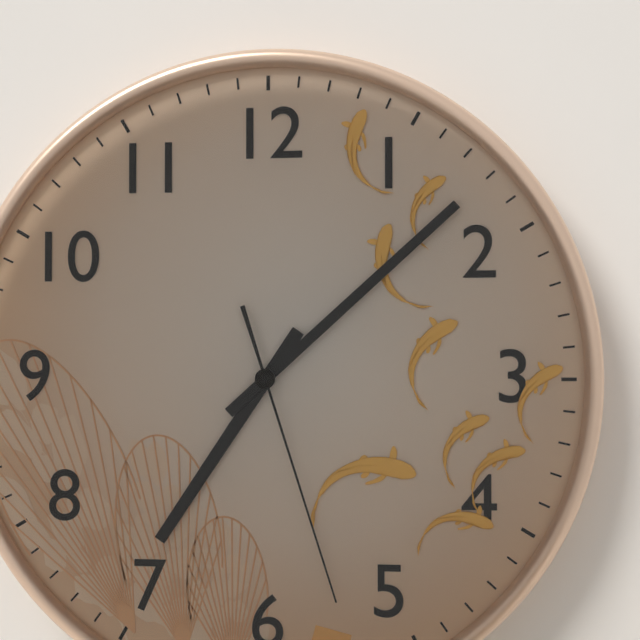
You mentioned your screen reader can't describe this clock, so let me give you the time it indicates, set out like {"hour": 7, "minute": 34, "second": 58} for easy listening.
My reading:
{"hour": 7, "minute": 8, "second": 27}
